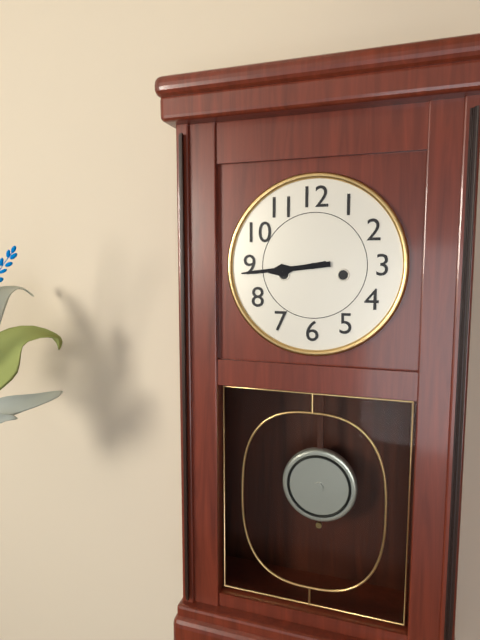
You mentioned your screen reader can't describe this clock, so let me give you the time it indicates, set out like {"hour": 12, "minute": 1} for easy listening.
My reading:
{"hour": 8, "minute": 44}
